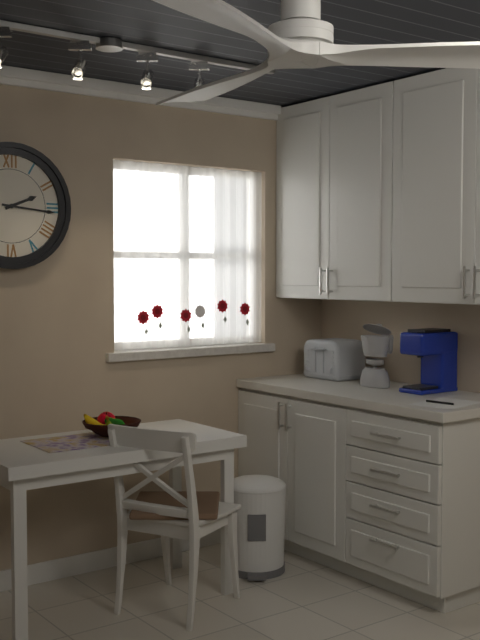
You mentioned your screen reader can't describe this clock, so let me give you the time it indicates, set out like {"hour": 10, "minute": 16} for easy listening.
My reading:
{"hour": 2, "minute": 16}
